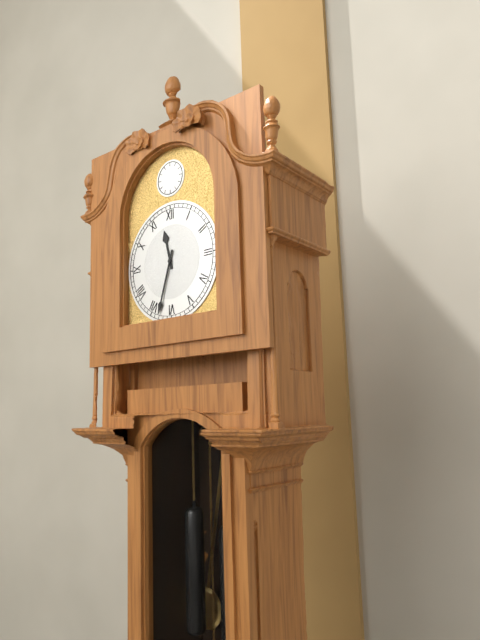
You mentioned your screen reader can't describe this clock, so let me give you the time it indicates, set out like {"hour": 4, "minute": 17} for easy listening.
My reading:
{"hour": 11, "minute": 33}
